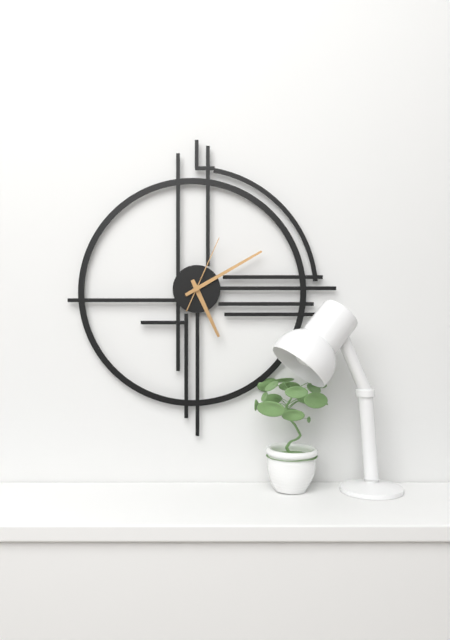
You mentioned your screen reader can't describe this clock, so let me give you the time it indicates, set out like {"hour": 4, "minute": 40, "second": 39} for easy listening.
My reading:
{"hour": 5, "minute": 10, "second": 4}
